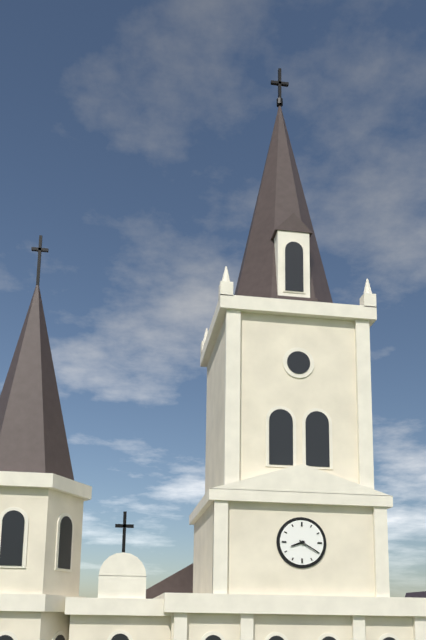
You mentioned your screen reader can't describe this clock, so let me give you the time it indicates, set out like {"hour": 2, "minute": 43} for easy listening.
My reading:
{"hour": 8, "minute": 20}
